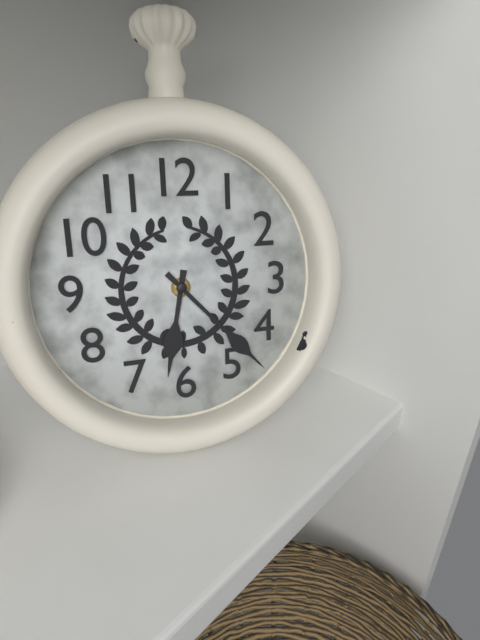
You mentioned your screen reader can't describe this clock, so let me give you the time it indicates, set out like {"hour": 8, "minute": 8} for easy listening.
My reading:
{"hour": 6, "minute": 23}
